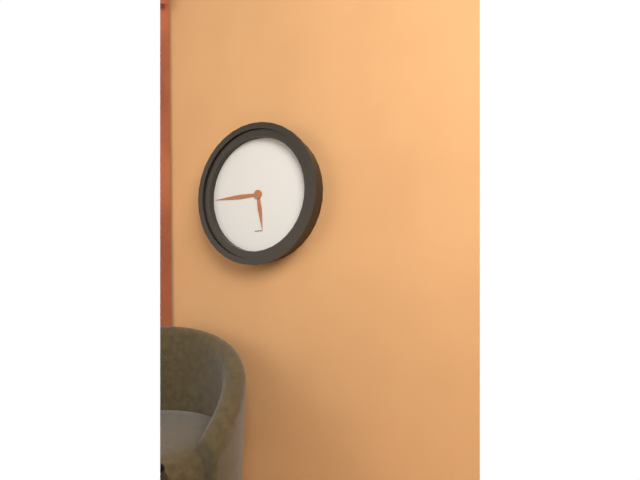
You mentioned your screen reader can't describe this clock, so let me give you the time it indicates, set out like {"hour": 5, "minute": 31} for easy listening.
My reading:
{"hour": 5, "minute": 45}
